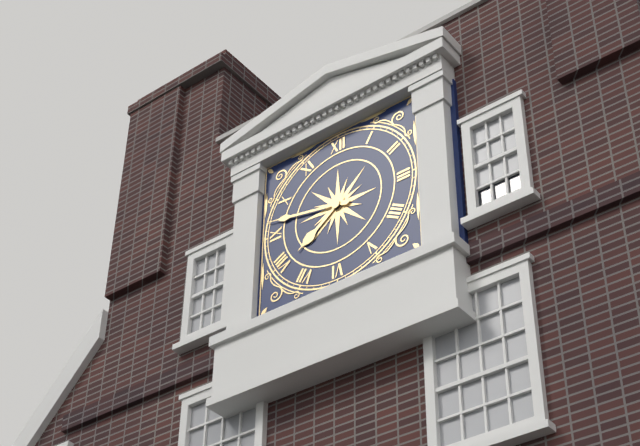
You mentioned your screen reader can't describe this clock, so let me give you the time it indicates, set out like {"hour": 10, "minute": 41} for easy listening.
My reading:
{"hour": 7, "minute": 47}
